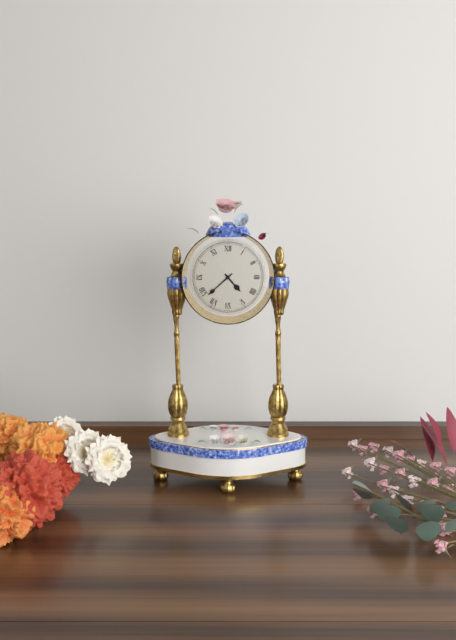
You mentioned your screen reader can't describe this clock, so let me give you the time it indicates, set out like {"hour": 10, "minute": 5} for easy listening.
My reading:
{"hour": 4, "minute": 38}
